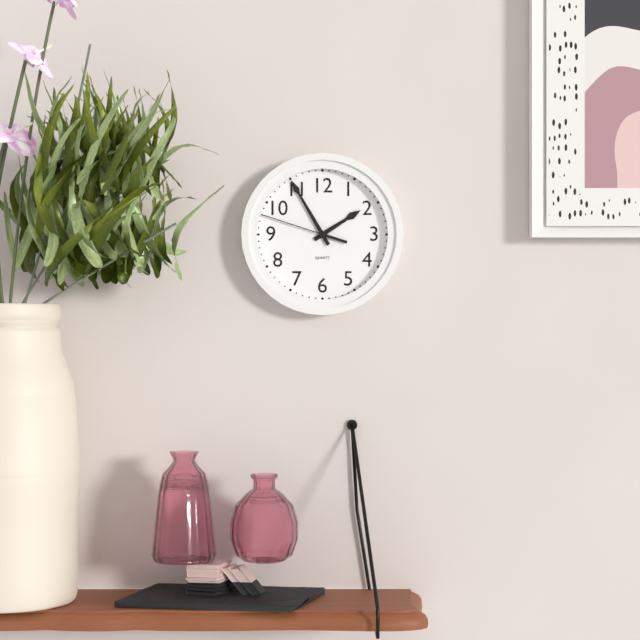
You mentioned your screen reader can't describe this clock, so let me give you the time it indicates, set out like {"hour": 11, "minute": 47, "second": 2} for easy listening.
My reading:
{"hour": 1, "minute": 55, "second": 48}
